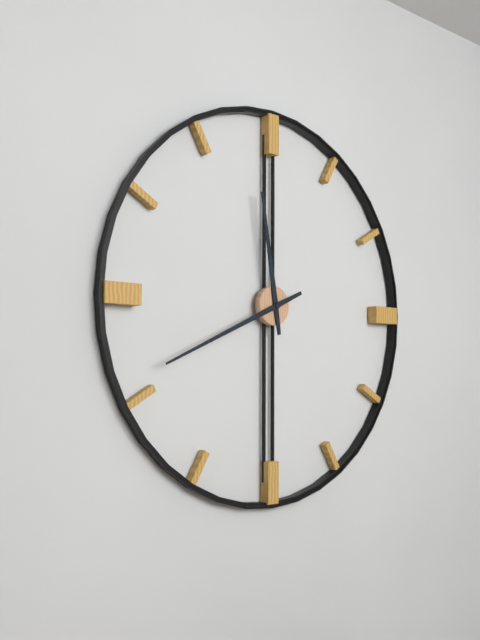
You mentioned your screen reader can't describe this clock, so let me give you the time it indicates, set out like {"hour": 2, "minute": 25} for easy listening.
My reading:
{"hour": 11, "minute": 41}
